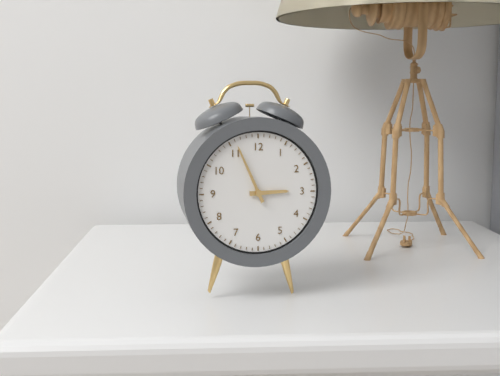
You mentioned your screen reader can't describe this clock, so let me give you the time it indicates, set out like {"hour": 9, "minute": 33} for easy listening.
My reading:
{"hour": 2, "minute": 56}
